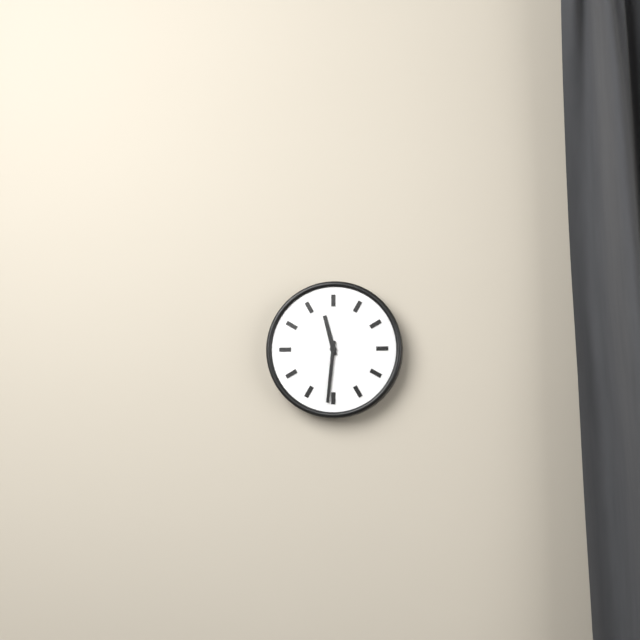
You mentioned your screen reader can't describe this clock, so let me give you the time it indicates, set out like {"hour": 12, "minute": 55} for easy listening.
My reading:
{"hour": 11, "minute": 31}
